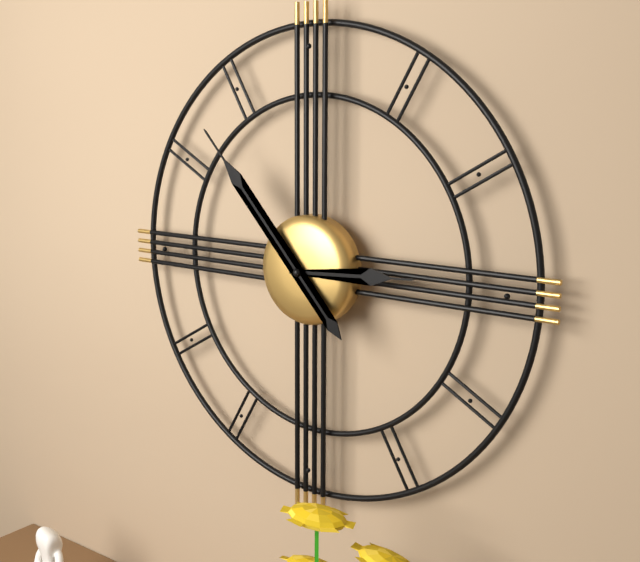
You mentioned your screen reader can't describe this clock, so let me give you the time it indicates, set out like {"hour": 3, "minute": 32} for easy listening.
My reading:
{"hour": 2, "minute": 53}
